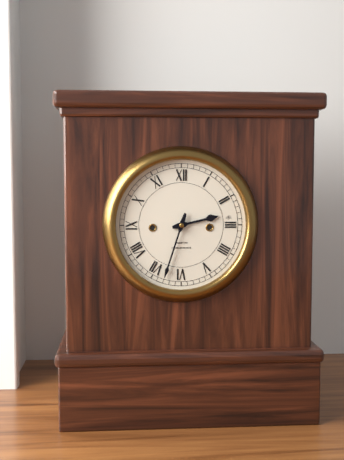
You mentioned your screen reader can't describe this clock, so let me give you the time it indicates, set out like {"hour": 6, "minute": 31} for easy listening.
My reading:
{"hour": 2, "minute": 33}
